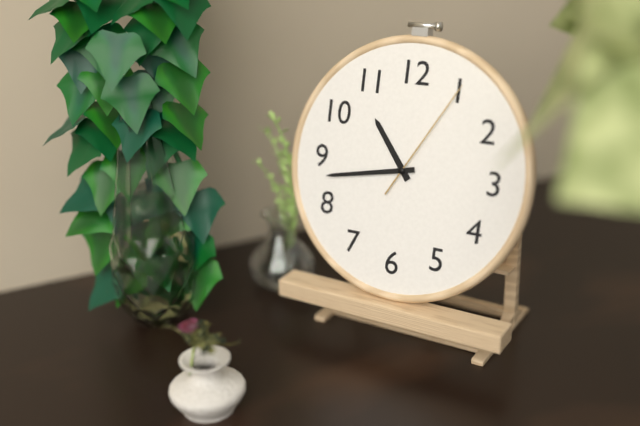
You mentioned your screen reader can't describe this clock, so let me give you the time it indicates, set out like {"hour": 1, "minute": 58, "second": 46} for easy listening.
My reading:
{"hour": 10, "minute": 43, "second": 5}
